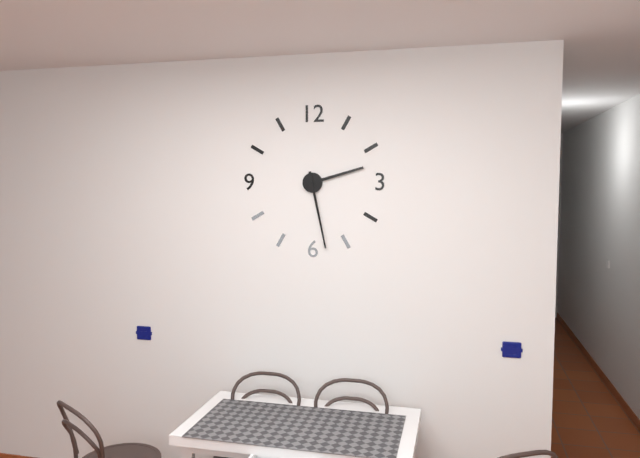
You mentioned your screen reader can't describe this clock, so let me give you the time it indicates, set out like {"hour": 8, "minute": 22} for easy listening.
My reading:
{"hour": 2, "minute": 28}
